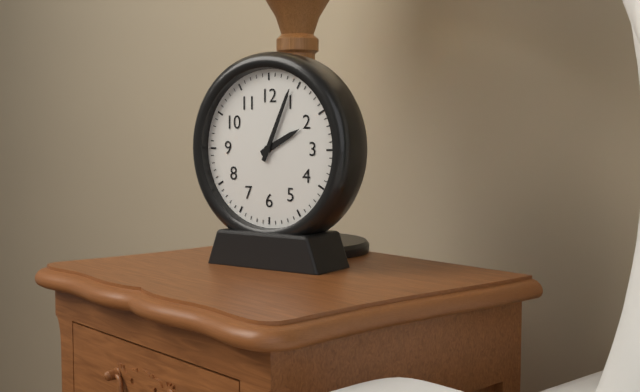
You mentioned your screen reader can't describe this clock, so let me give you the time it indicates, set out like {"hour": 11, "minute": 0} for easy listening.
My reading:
{"hour": 2, "minute": 4}
